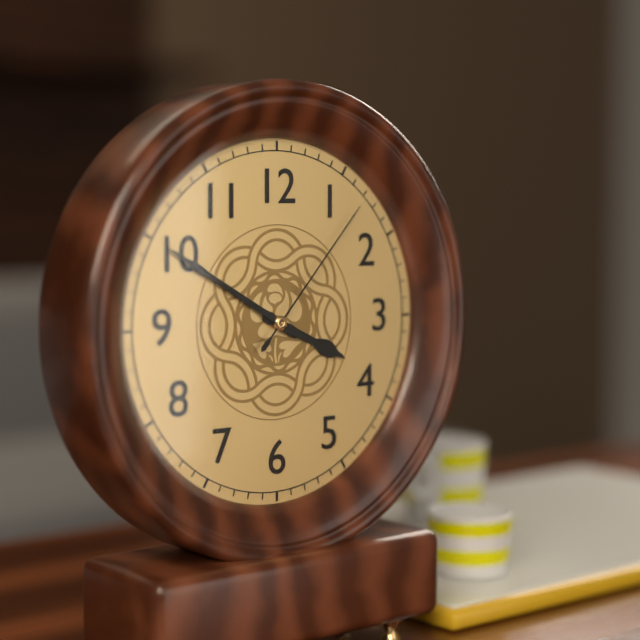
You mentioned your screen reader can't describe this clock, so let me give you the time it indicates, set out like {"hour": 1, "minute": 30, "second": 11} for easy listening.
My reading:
{"hour": 3, "minute": 50, "second": 7}
